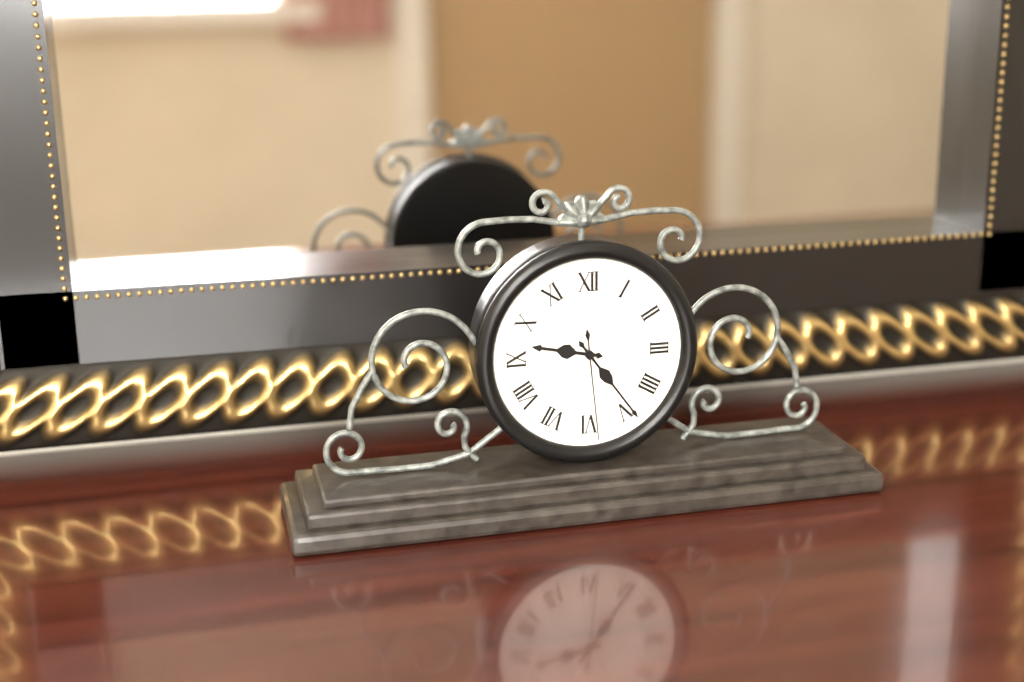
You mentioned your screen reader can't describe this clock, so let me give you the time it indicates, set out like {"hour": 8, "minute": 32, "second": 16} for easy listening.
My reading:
{"hour": 9, "minute": 24, "second": 29}
